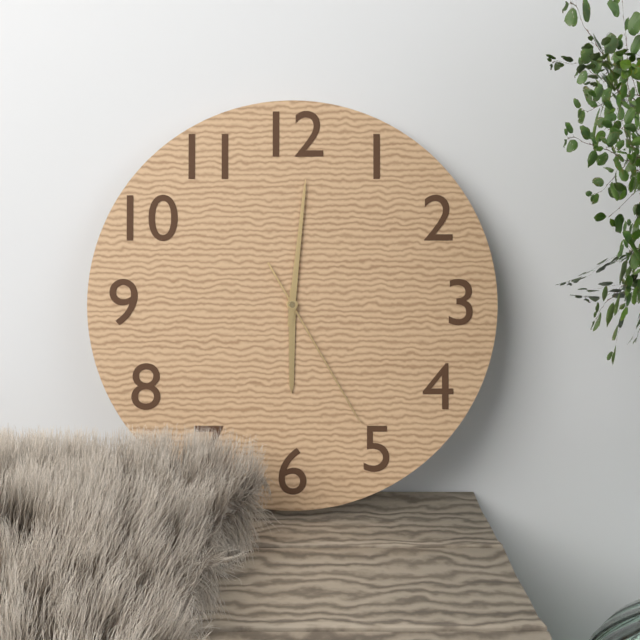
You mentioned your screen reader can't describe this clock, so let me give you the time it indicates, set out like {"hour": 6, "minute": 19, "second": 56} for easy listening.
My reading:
{"hour": 6, "minute": 1, "second": 25}
